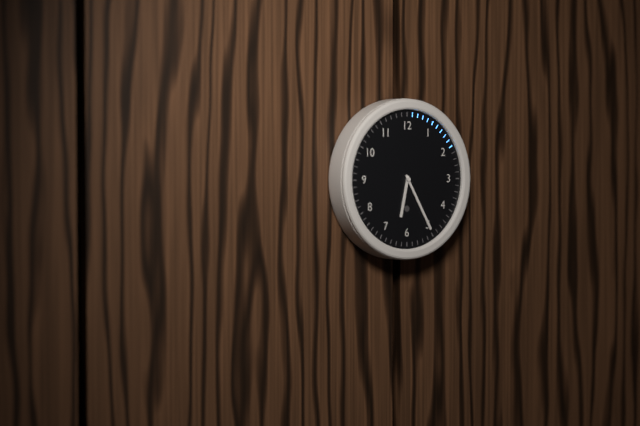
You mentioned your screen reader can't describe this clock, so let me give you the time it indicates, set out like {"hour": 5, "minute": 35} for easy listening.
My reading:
{"hour": 6, "minute": 25}
